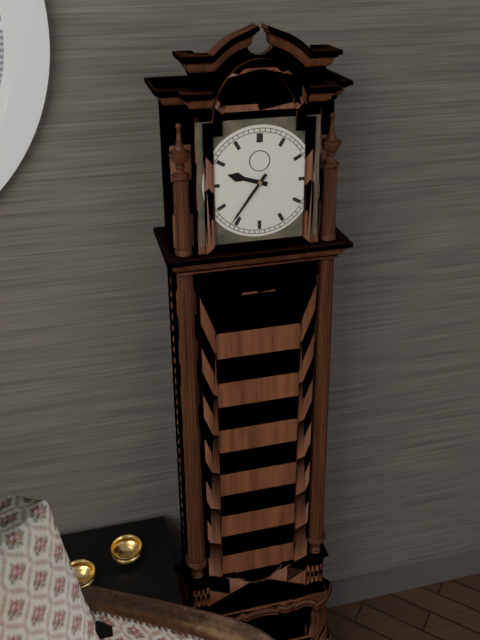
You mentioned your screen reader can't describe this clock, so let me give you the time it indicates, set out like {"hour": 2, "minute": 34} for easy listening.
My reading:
{"hour": 9, "minute": 36}
